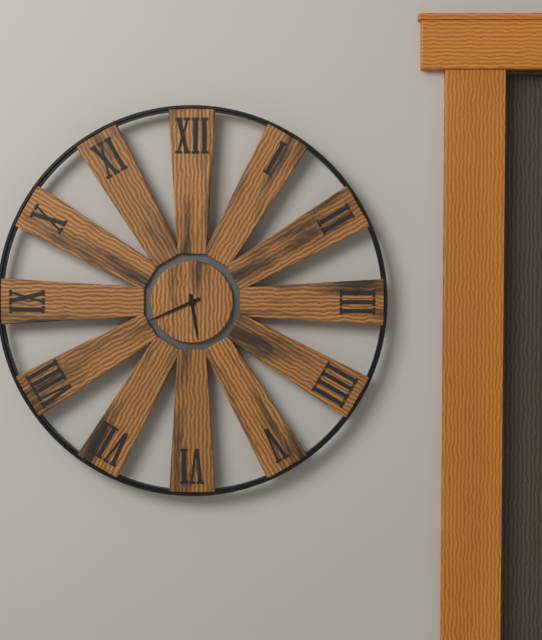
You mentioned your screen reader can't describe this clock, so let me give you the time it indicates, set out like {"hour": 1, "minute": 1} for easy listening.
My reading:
{"hour": 5, "minute": 41}
